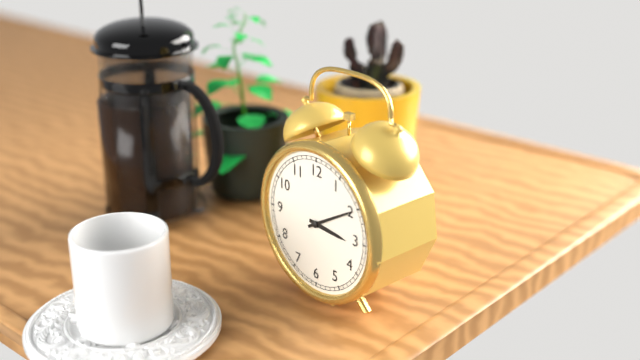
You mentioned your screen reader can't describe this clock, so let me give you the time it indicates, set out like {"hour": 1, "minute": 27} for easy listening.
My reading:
{"hour": 3, "minute": 10}
